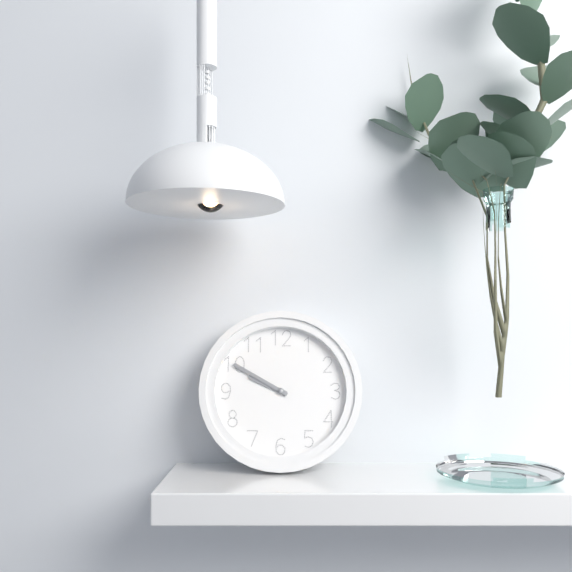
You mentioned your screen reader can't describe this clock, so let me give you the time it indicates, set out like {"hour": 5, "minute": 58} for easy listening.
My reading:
{"hour": 9, "minute": 50}
